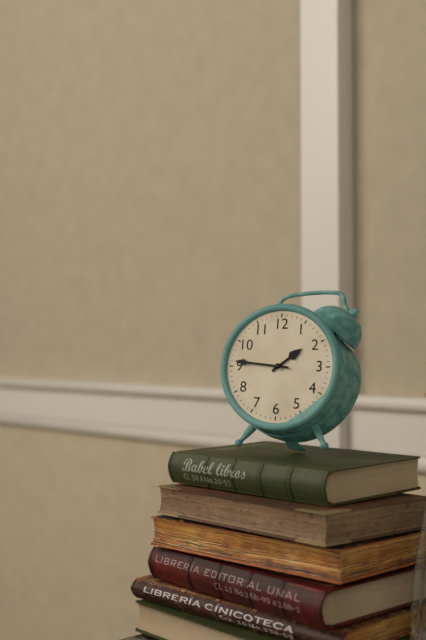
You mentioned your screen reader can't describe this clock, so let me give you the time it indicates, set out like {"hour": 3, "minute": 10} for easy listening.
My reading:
{"hour": 1, "minute": 46}
